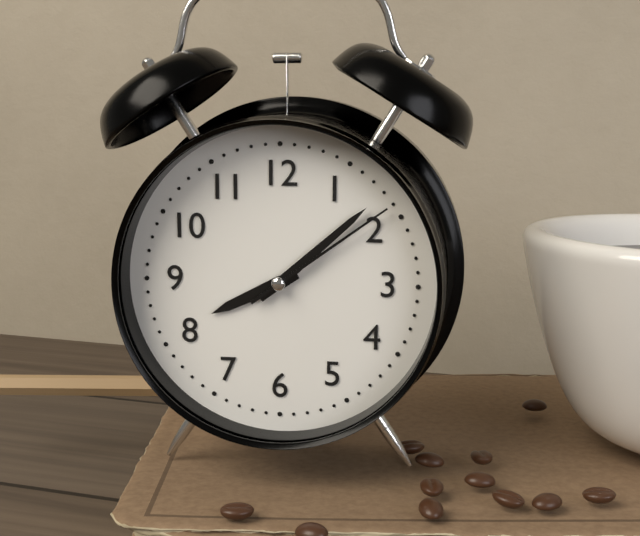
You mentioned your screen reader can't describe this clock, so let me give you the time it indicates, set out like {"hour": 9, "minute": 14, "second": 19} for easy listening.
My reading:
{"hour": 8, "minute": 8, "second": 9}
